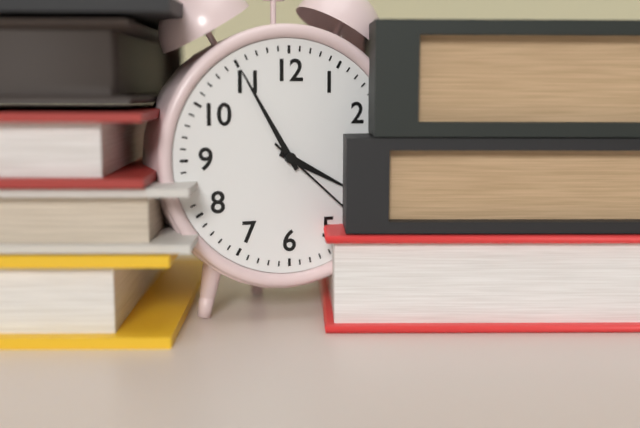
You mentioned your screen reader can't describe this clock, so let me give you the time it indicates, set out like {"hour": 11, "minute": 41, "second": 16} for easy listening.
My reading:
{"hour": 3, "minute": 55, "second": 22}
